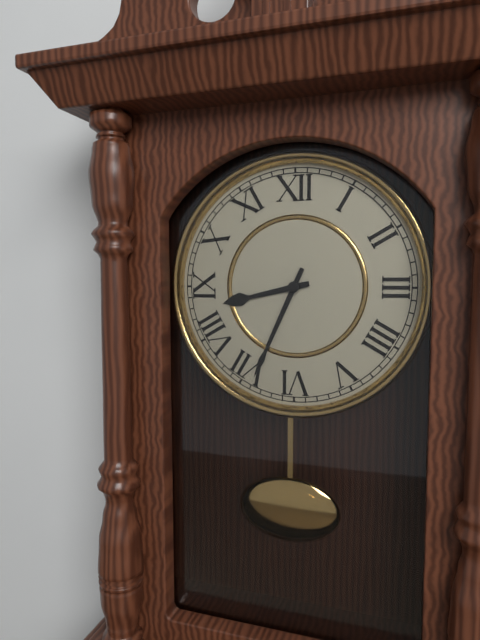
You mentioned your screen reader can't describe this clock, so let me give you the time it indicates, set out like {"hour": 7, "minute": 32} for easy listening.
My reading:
{"hour": 8, "minute": 34}
